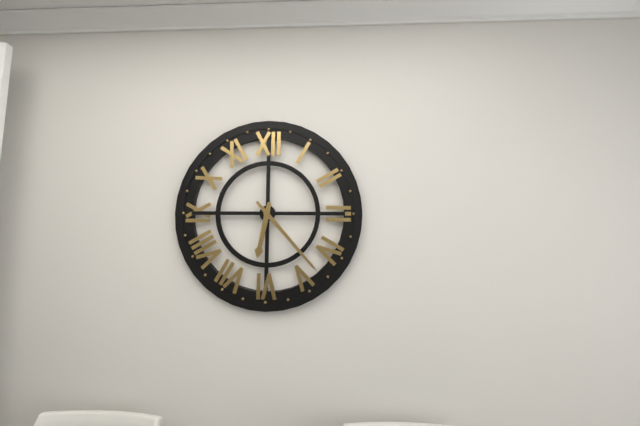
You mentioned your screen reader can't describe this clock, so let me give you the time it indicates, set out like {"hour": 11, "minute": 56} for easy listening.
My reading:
{"hour": 6, "minute": 23}
